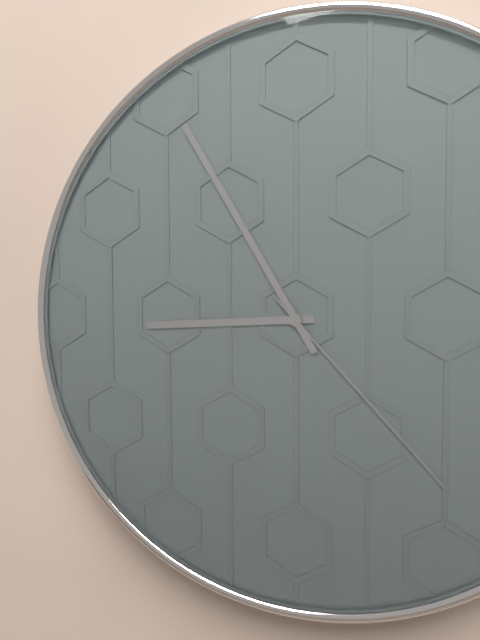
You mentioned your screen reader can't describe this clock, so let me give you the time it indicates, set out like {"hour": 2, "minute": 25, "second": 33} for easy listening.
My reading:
{"hour": 8, "minute": 55, "second": 23}
